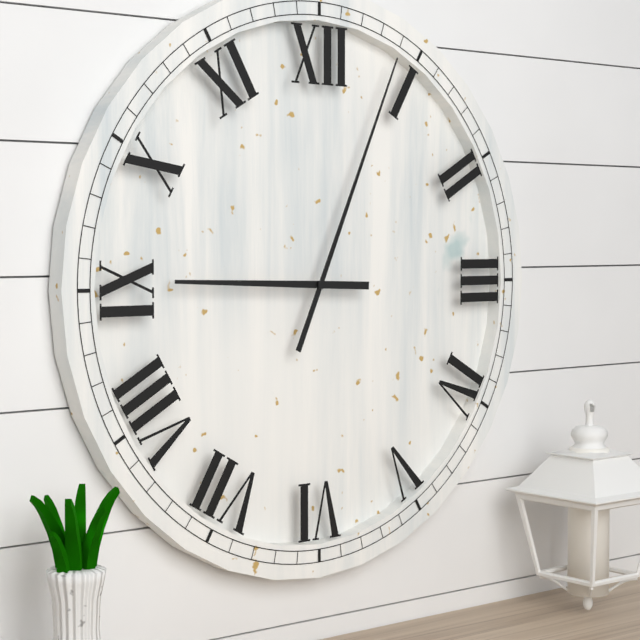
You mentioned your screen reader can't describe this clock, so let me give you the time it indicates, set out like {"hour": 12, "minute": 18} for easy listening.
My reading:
{"hour": 9, "minute": 4}
